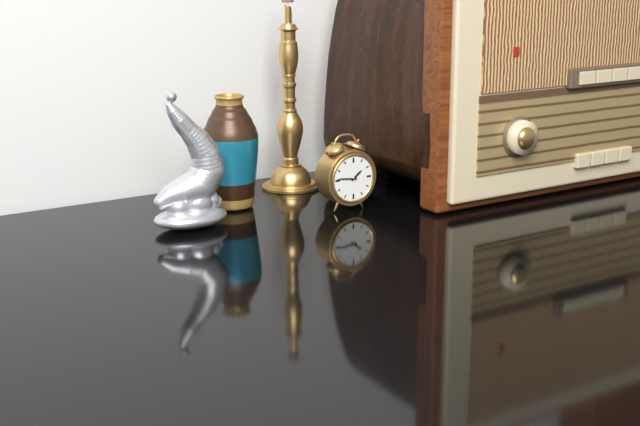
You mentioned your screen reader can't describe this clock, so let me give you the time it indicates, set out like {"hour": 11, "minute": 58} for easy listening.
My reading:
{"hour": 1, "minute": 46}
